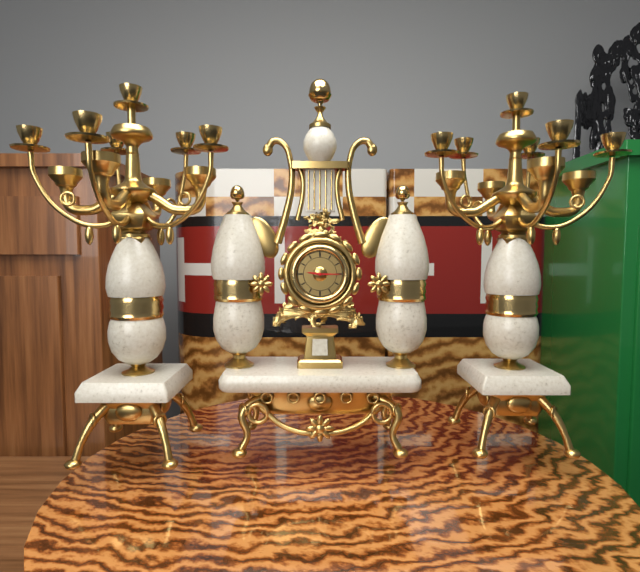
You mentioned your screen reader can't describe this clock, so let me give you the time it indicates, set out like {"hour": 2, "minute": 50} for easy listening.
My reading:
{"hour": 9, "minute": 15}
